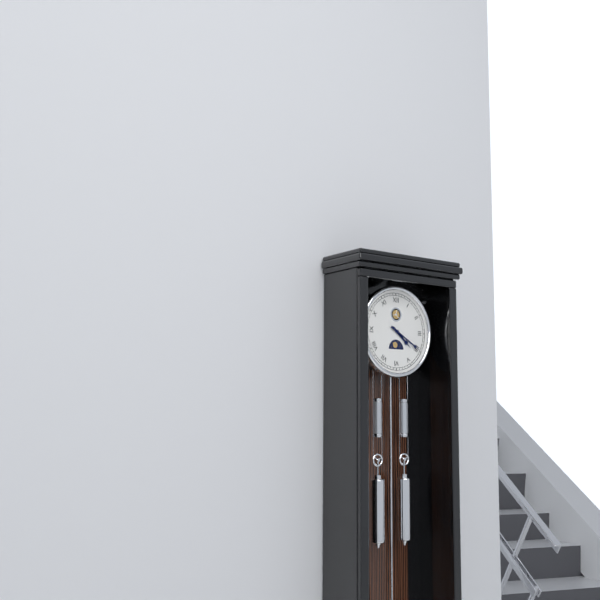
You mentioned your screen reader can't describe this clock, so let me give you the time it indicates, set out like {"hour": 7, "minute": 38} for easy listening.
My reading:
{"hour": 4, "minute": 20}
